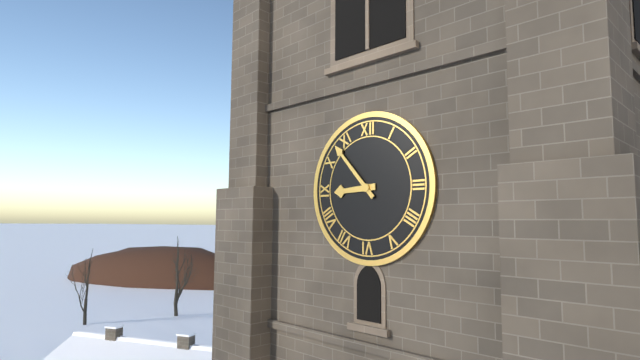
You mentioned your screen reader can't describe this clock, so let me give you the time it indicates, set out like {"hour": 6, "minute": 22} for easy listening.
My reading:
{"hour": 8, "minute": 53}
